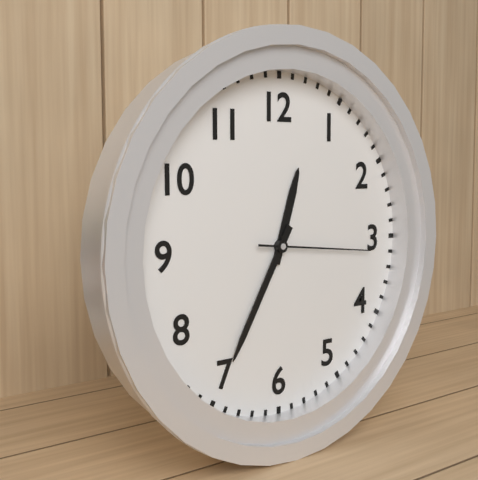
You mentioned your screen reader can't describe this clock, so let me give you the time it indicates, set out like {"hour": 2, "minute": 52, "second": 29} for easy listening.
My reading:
{"hour": 12, "minute": 35, "second": 16}
